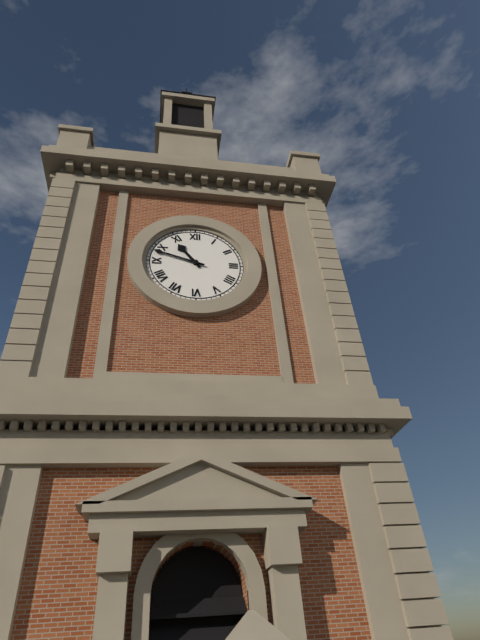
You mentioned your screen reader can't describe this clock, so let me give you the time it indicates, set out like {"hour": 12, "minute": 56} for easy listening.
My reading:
{"hour": 10, "minute": 48}
